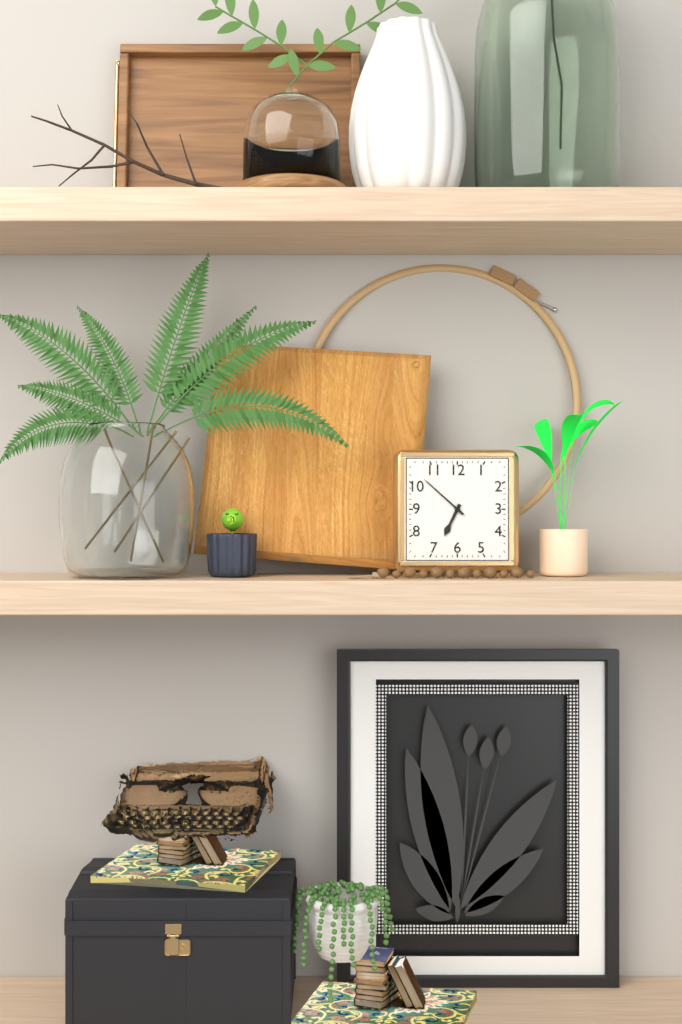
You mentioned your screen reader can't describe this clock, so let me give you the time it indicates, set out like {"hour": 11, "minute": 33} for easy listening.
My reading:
{"hour": 6, "minute": 52}
